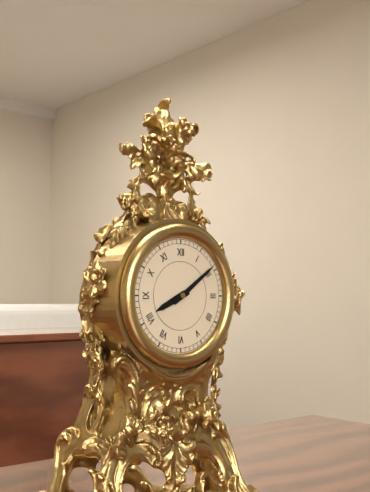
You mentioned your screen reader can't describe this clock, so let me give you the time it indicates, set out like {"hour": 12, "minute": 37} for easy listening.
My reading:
{"hour": 8, "minute": 9}
